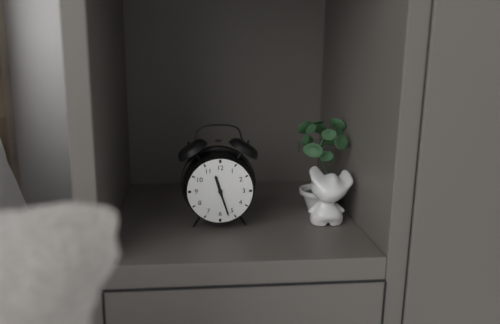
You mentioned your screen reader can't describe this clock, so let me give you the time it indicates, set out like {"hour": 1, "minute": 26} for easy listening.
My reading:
{"hour": 11, "minute": 27}
